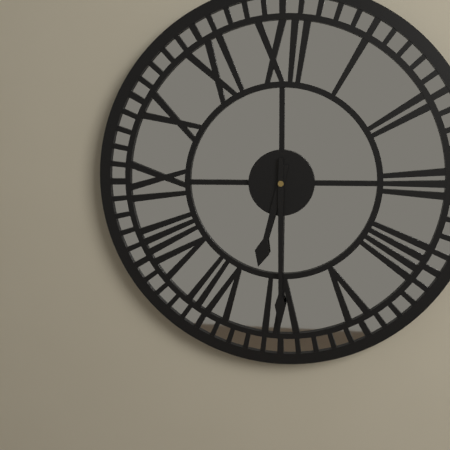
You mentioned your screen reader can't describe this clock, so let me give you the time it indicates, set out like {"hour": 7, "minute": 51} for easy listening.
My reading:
{"hour": 6, "minute": 30}
